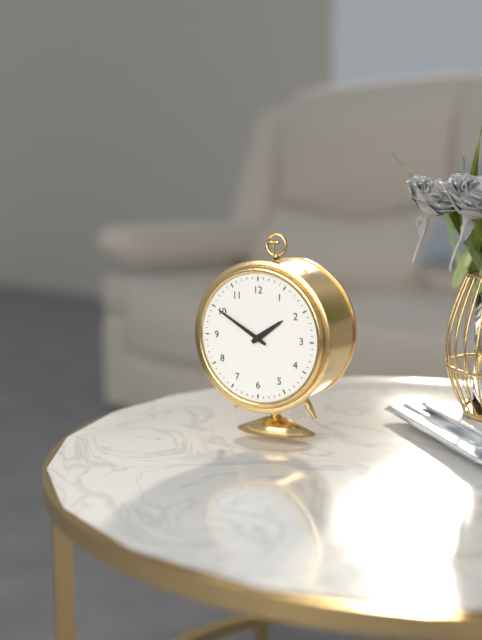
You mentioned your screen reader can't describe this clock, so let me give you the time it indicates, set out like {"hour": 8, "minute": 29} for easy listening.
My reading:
{"hour": 1, "minute": 50}
